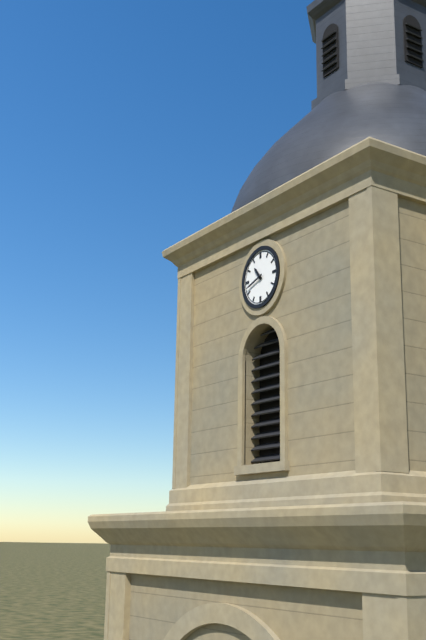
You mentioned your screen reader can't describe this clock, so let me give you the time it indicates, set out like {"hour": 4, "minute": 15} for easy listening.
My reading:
{"hour": 10, "minute": 42}
